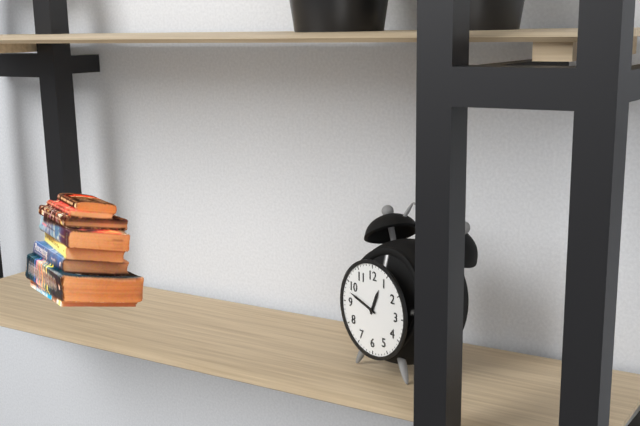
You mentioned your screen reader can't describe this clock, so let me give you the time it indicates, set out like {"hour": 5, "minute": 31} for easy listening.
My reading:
{"hour": 12, "minute": 48}
